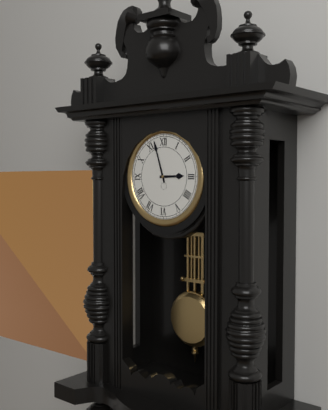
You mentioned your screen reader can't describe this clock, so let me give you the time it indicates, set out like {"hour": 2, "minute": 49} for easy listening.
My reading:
{"hour": 2, "minute": 57}
